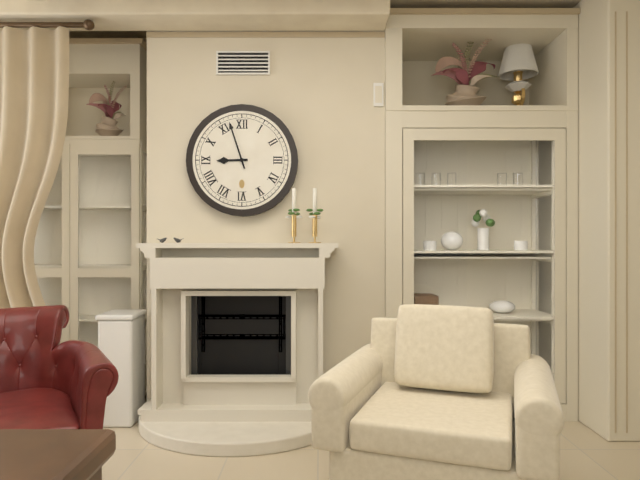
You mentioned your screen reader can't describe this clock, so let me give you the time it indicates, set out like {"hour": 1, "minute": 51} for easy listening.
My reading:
{"hour": 8, "minute": 57}
